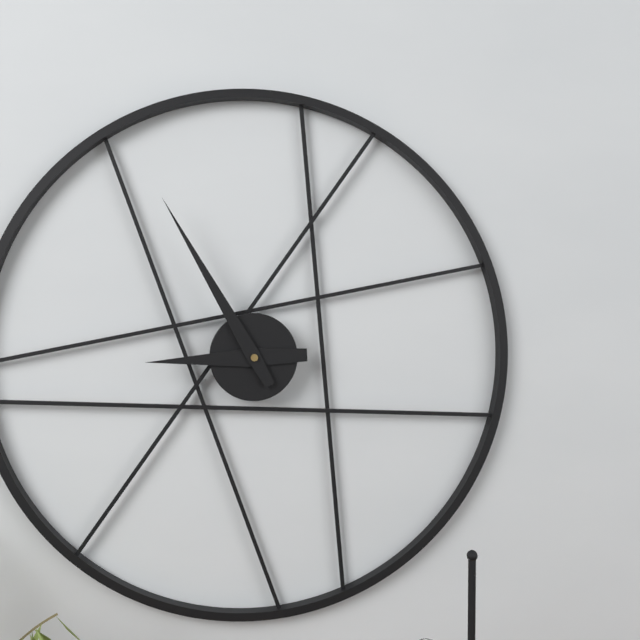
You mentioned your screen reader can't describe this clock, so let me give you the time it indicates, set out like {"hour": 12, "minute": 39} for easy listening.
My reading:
{"hour": 8, "minute": 55}
